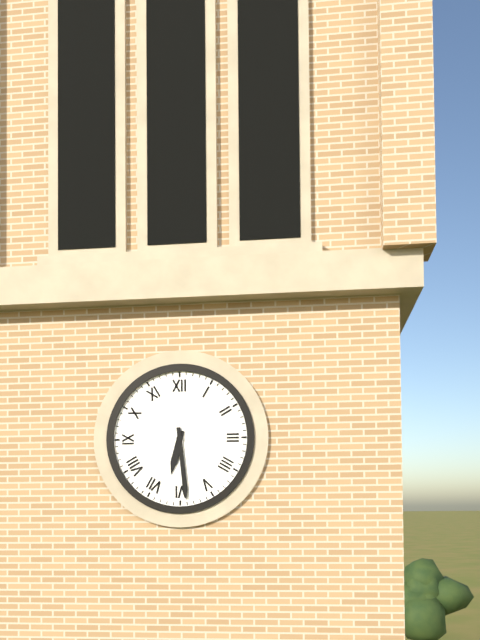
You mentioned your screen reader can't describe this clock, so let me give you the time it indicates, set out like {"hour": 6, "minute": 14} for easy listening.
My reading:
{"hour": 6, "minute": 29}
